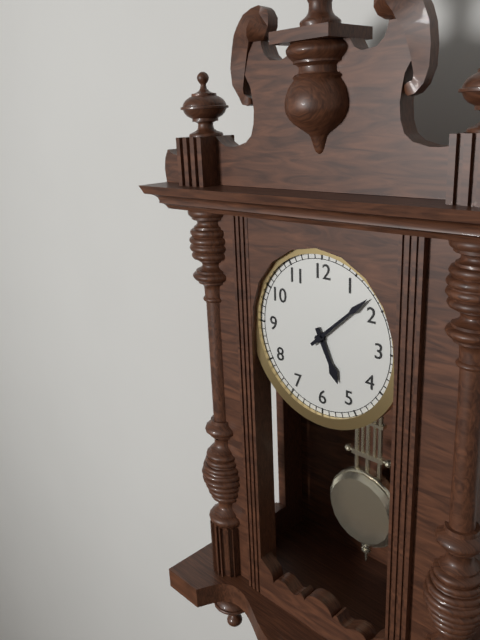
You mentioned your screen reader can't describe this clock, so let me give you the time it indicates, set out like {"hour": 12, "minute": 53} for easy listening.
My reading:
{"hour": 5, "minute": 8}
